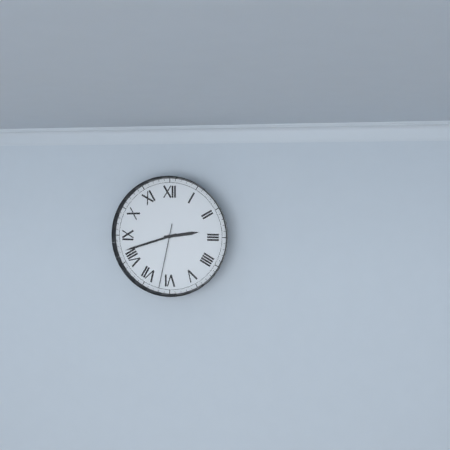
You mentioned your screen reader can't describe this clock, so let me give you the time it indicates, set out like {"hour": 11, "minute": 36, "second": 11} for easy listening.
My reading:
{"hour": 2, "minute": 42, "second": 32}
